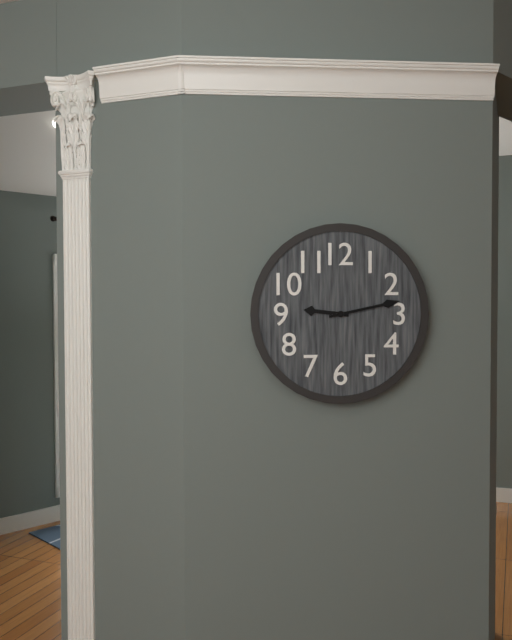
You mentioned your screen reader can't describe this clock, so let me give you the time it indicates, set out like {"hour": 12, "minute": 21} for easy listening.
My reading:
{"hour": 9, "minute": 13}
